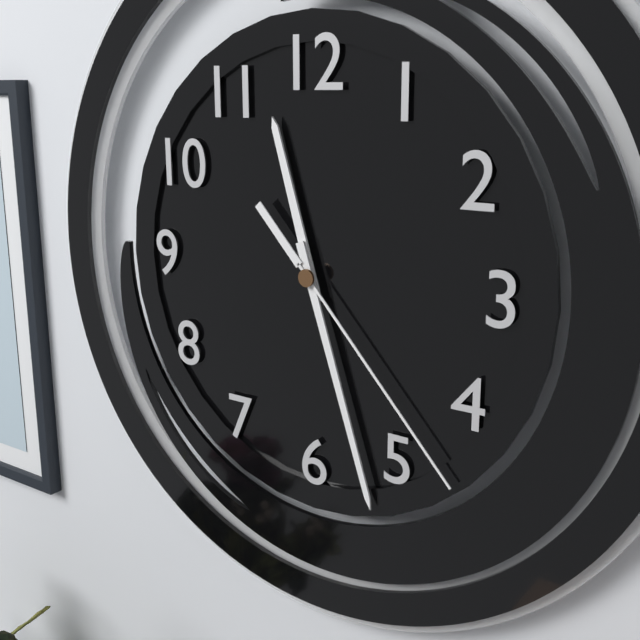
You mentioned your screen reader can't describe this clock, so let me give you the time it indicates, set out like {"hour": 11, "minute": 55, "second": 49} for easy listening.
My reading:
{"hour": 11, "minute": 27, "second": 23}
